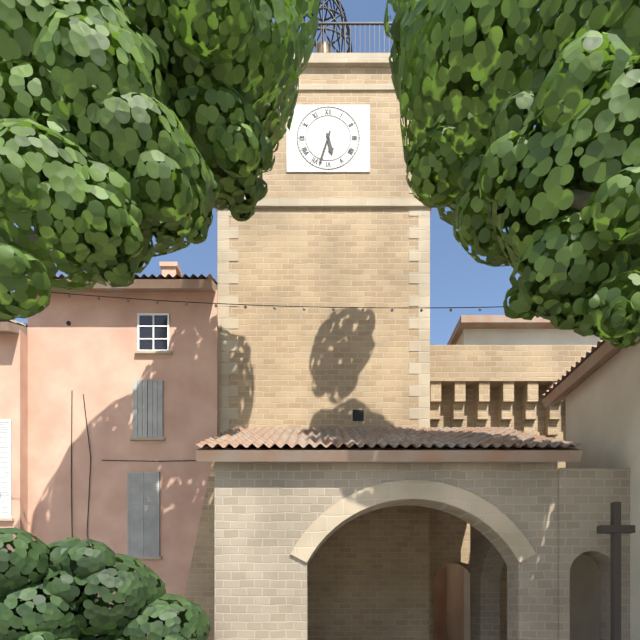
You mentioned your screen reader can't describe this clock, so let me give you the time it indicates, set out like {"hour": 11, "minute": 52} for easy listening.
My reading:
{"hour": 5, "minute": 33}
